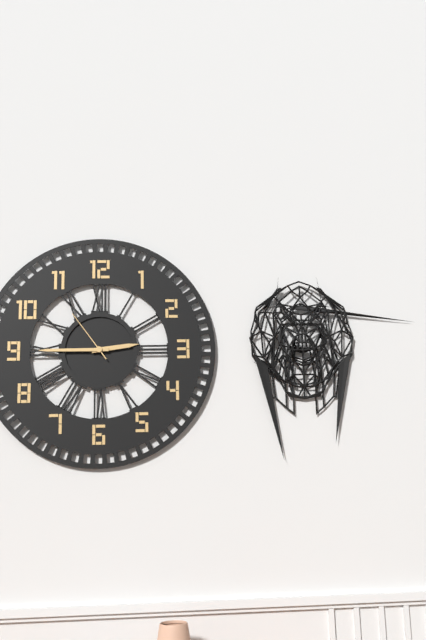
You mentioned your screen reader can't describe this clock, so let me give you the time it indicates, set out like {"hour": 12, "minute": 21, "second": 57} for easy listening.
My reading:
{"hour": 2, "minute": 45, "second": 54}
